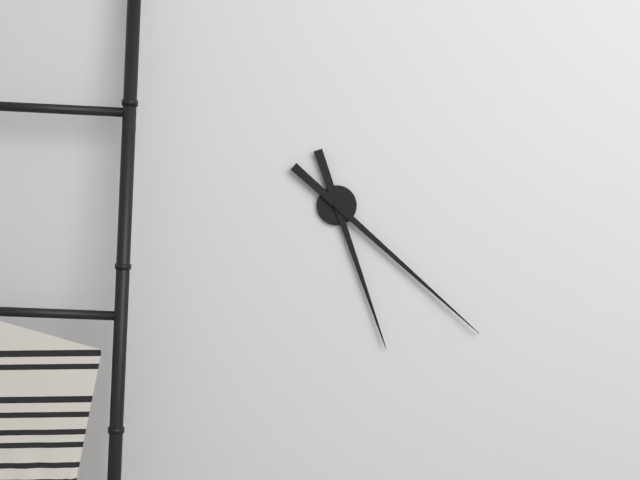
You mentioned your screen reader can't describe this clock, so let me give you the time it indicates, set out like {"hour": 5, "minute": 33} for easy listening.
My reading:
{"hour": 5, "minute": 22}
